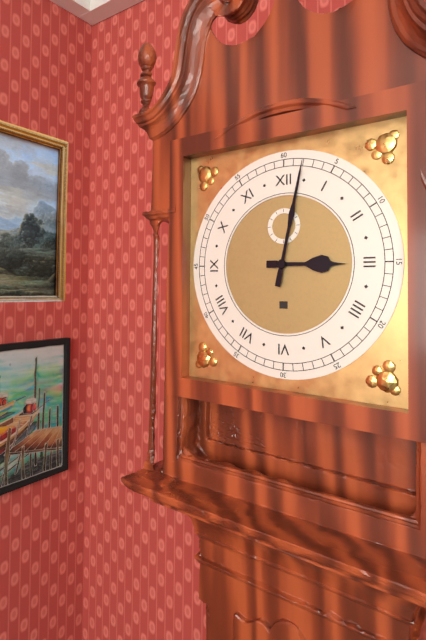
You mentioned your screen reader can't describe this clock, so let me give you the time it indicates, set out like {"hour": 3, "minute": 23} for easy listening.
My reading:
{"hour": 3, "minute": 2}
